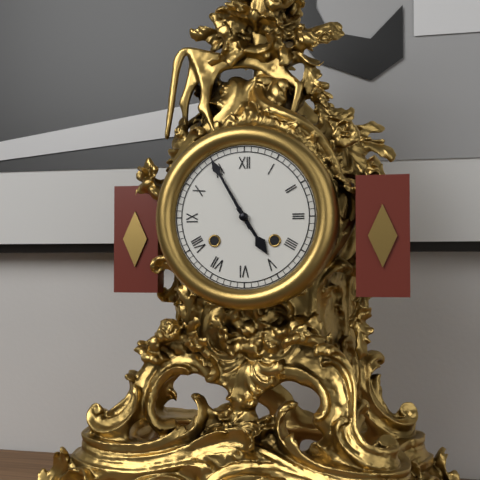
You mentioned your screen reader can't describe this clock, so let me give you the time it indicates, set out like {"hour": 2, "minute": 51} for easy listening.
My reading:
{"hour": 4, "minute": 55}
